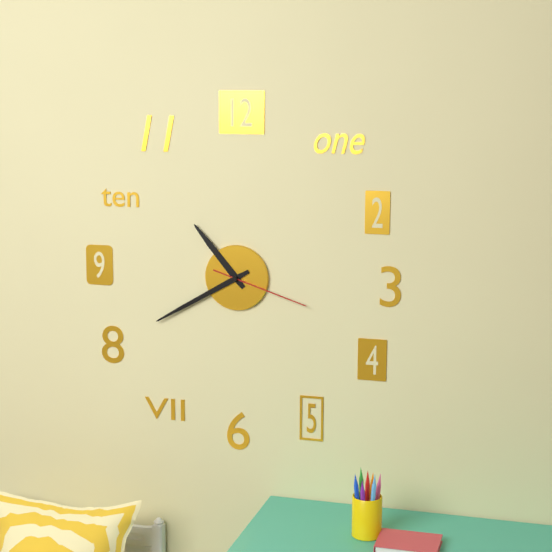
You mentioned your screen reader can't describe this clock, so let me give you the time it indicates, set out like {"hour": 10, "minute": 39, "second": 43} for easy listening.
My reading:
{"hour": 10, "minute": 40, "second": 18}
